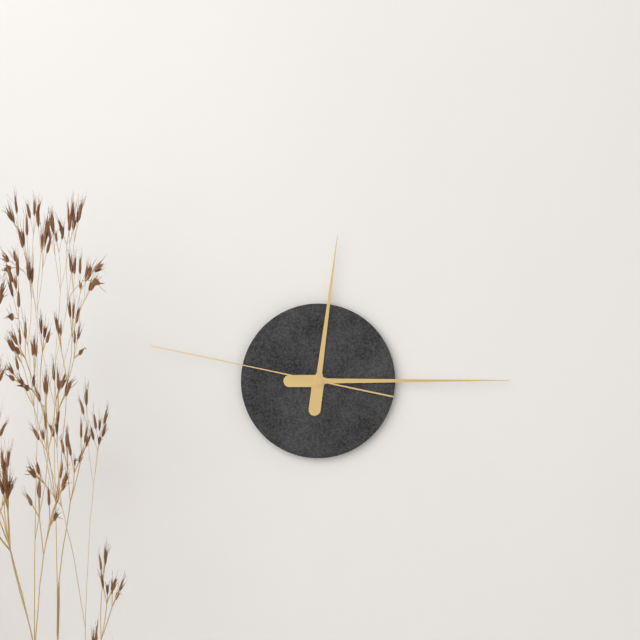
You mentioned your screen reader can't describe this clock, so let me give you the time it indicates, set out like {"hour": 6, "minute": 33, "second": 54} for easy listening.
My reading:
{"hour": 12, "minute": 15, "second": 47}
